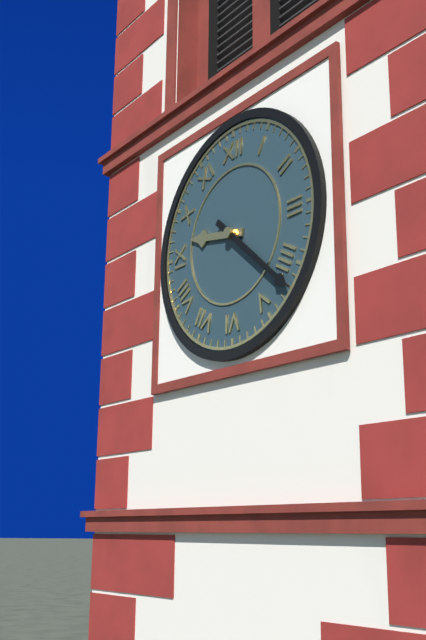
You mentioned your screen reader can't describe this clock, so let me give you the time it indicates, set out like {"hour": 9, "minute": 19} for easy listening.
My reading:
{"hour": 9, "minute": 22}
